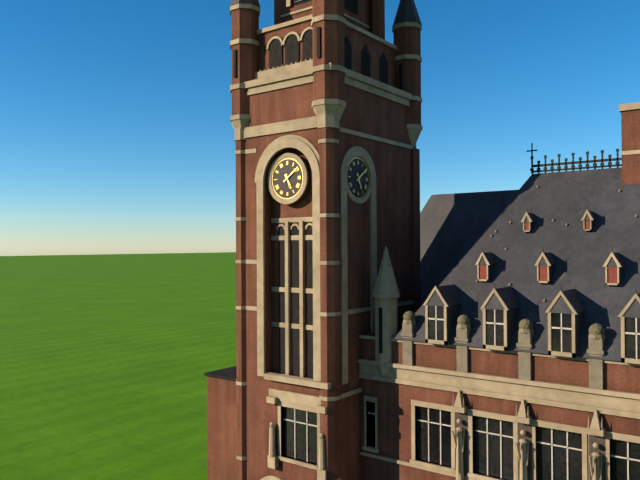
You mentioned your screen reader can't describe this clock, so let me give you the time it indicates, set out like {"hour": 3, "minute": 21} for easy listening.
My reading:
{"hour": 5, "minute": 9}
